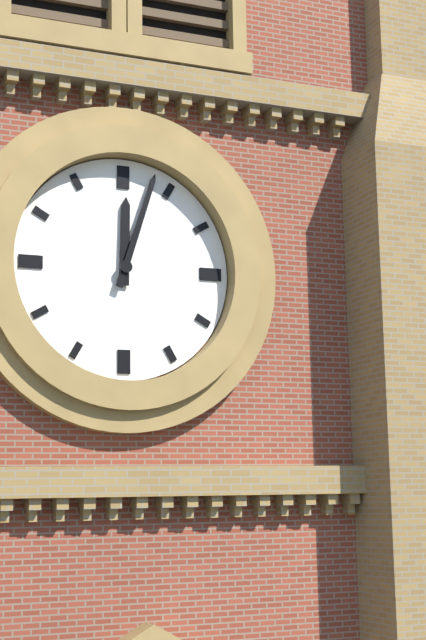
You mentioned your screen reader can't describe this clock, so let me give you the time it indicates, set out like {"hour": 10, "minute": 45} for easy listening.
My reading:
{"hour": 12, "minute": 3}
